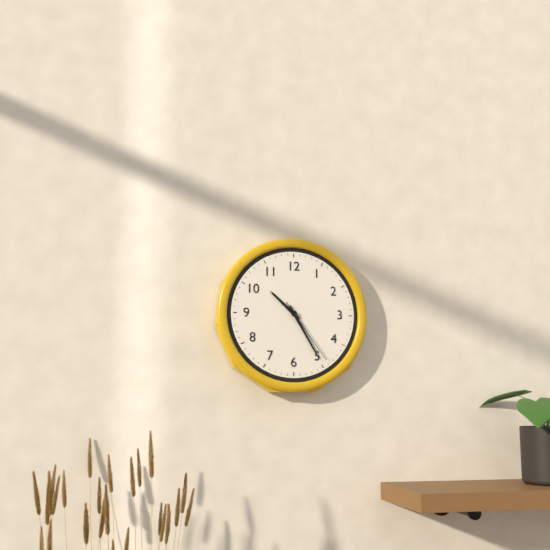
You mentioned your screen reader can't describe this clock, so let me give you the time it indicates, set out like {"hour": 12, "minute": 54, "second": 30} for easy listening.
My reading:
{"hour": 10, "minute": 25, "second": 24}
